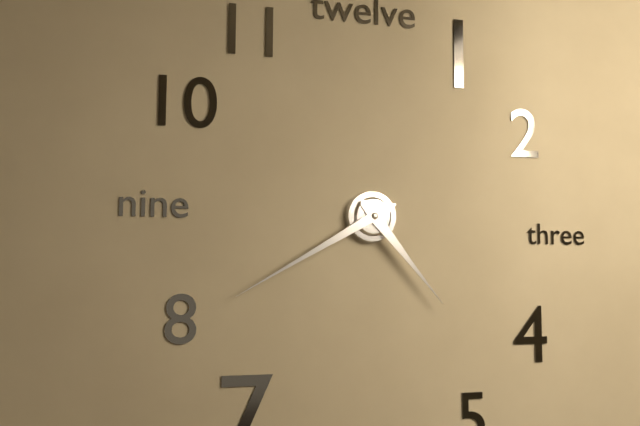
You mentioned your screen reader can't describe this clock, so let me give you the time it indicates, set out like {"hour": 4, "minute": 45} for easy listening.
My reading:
{"hour": 4, "minute": 40}
